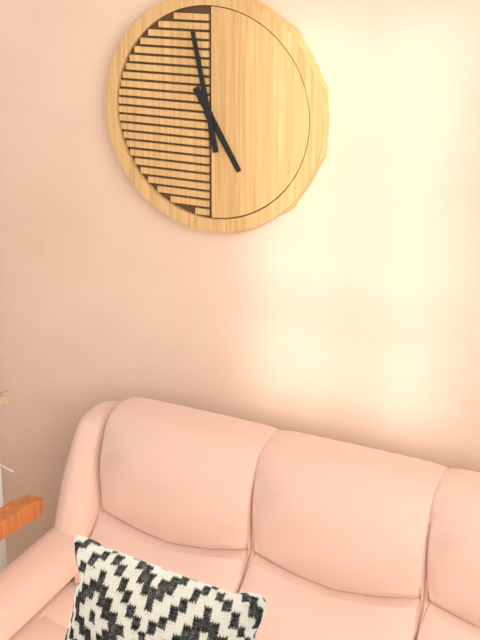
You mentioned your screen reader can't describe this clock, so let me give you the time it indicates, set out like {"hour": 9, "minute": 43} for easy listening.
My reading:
{"hour": 4, "minute": 58}
